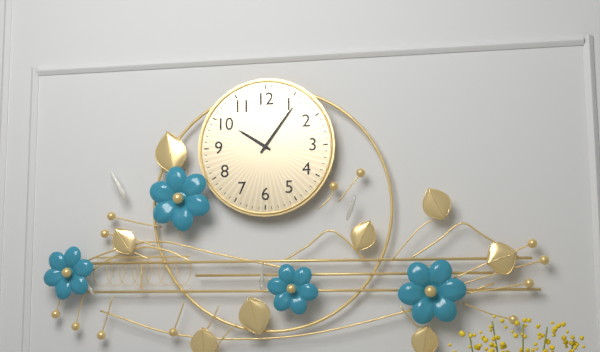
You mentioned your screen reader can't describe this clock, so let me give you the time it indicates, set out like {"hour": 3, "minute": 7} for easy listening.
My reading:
{"hour": 10, "minute": 6}
